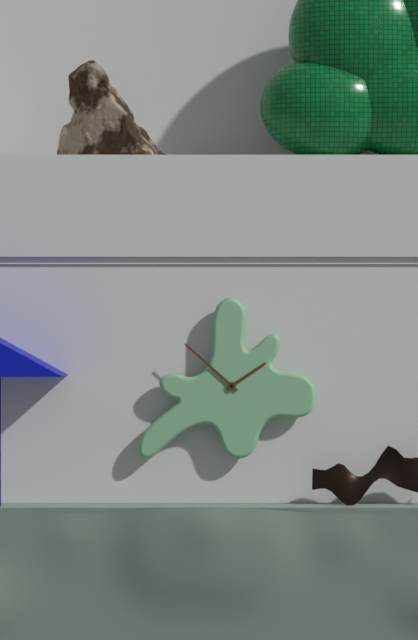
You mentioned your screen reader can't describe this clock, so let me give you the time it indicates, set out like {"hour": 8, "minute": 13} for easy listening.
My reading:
{"hour": 1, "minute": 52}
